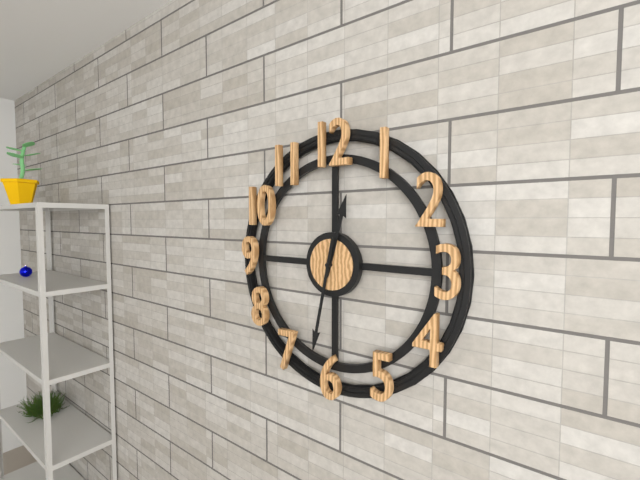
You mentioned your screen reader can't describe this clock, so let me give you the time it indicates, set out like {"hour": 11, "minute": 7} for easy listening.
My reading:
{"hour": 12, "minute": 32}
